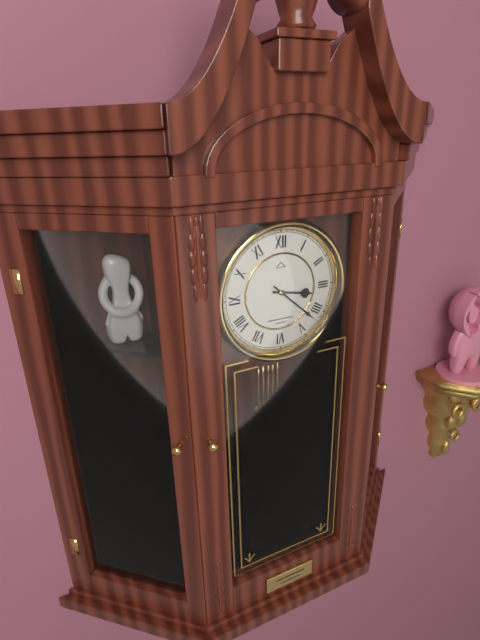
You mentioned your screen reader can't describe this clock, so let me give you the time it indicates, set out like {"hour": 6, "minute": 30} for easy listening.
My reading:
{"hour": 3, "minute": 22}
